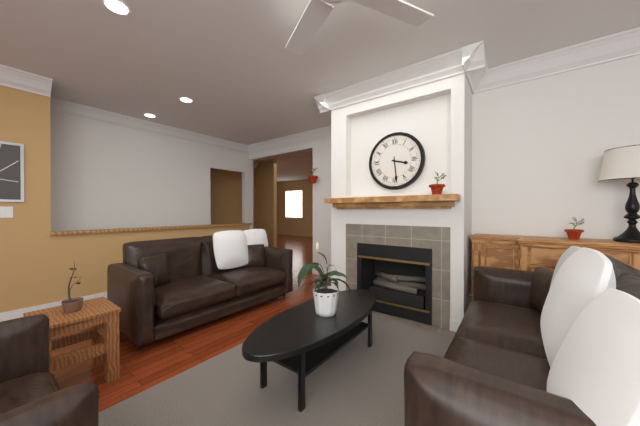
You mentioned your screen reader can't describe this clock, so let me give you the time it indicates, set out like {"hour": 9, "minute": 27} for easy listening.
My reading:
{"hour": 3, "minute": 29}
